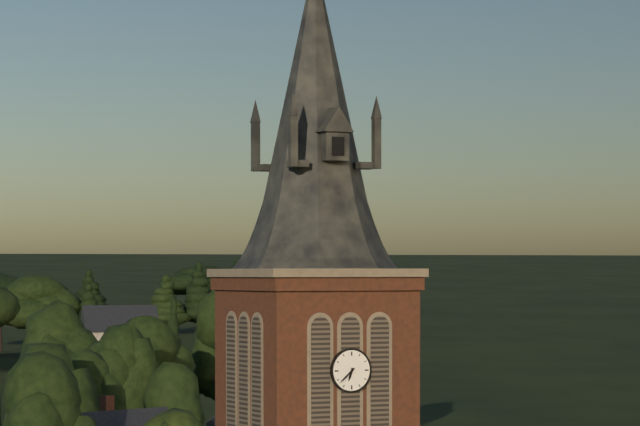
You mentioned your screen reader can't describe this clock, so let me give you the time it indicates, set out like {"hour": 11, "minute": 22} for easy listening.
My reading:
{"hour": 6, "minute": 38}
